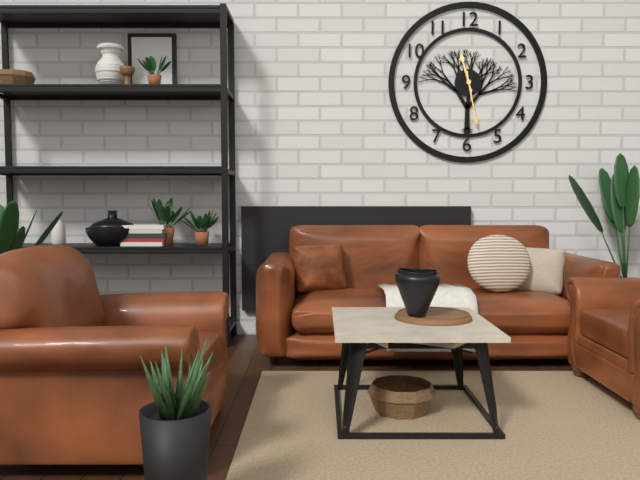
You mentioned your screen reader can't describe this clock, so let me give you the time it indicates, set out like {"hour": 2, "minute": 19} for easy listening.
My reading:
{"hour": 11, "minute": 28}
